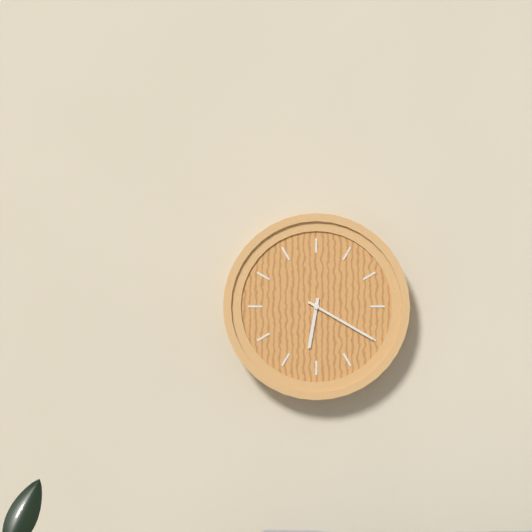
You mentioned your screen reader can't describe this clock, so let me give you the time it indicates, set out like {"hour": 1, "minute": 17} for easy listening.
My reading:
{"hour": 6, "minute": 20}
